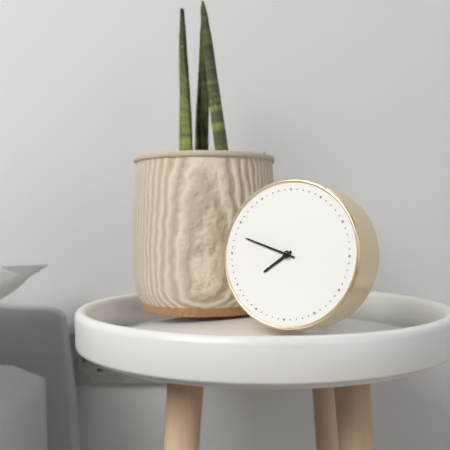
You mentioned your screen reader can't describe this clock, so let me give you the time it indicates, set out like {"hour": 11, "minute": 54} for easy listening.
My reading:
{"hour": 7, "minute": 48}
